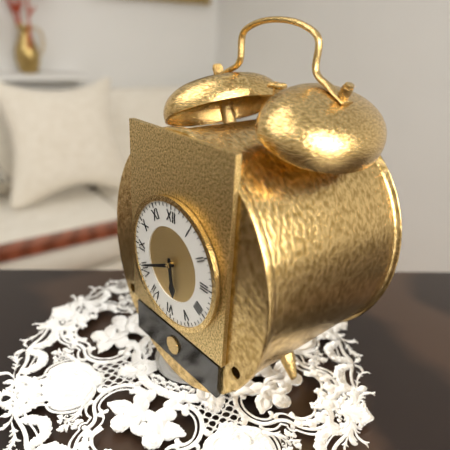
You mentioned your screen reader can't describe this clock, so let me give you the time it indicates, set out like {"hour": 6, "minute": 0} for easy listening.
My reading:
{"hour": 5, "minute": 41}
